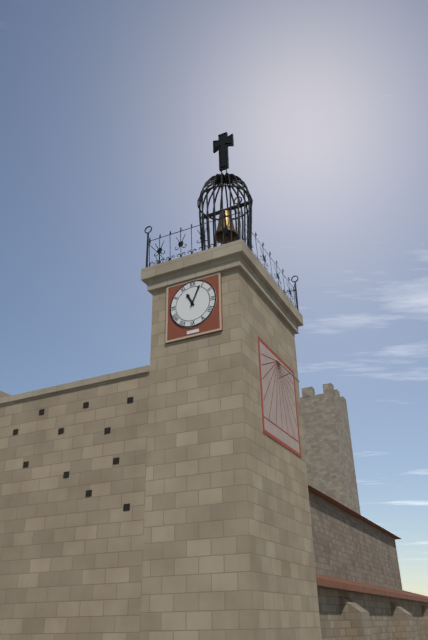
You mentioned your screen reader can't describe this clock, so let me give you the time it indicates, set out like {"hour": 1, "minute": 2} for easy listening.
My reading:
{"hour": 11, "minute": 4}
